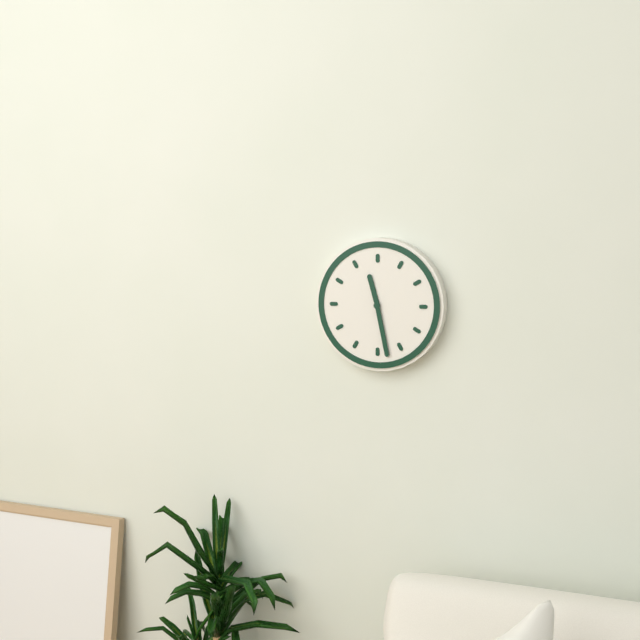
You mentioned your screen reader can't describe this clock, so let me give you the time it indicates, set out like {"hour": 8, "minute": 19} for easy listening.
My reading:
{"hour": 11, "minute": 28}
